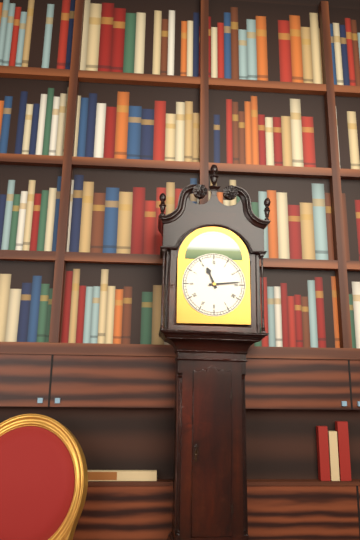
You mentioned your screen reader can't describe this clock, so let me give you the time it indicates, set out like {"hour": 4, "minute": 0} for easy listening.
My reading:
{"hour": 11, "minute": 14}
